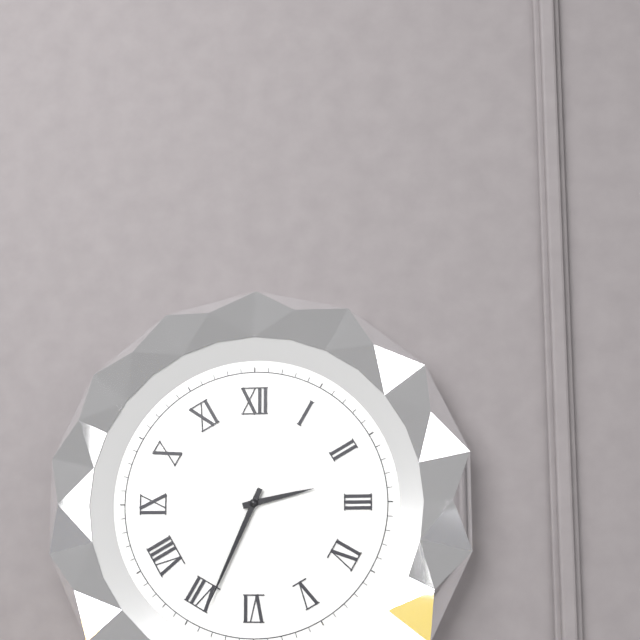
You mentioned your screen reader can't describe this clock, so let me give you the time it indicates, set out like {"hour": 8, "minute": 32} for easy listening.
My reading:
{"hour": 2, "minute": 34}
